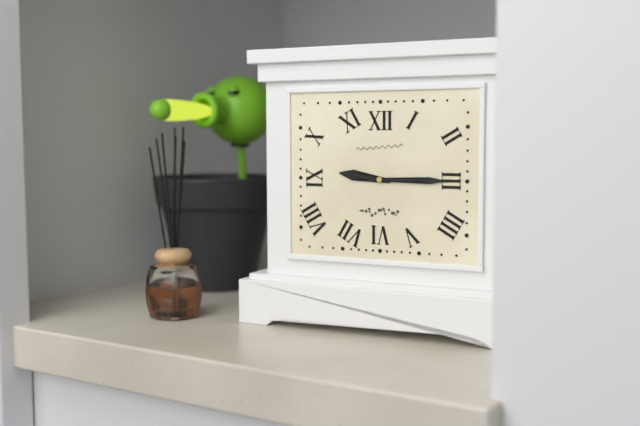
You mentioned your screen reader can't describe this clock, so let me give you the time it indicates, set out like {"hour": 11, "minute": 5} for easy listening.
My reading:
{"hour": 9, "minute": 15}
